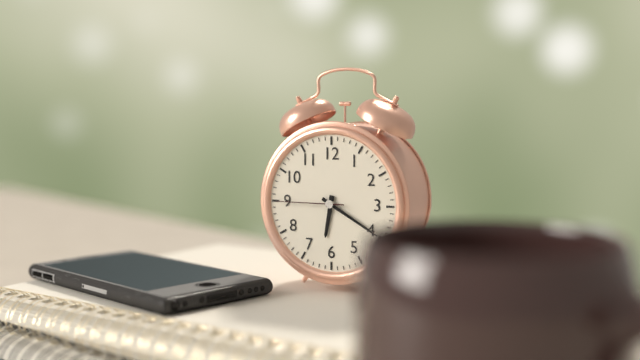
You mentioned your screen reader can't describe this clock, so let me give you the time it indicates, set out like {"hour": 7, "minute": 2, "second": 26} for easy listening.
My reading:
{"hour": 6, "minute": 20, "second": 45}
